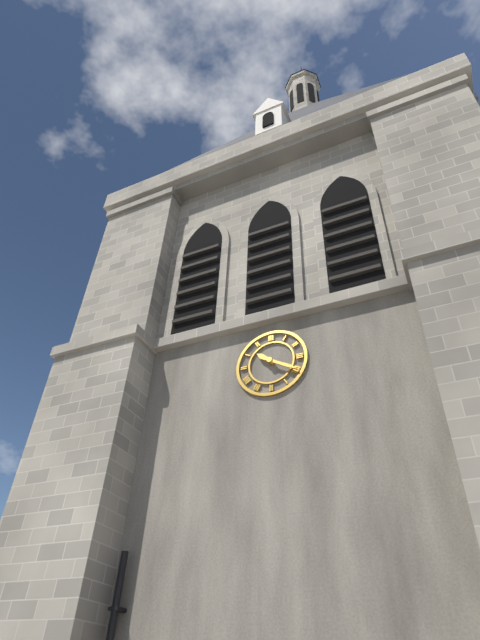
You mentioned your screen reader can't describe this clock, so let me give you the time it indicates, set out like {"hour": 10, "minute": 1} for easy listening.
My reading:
{"hour": 10, "minute": 20}
